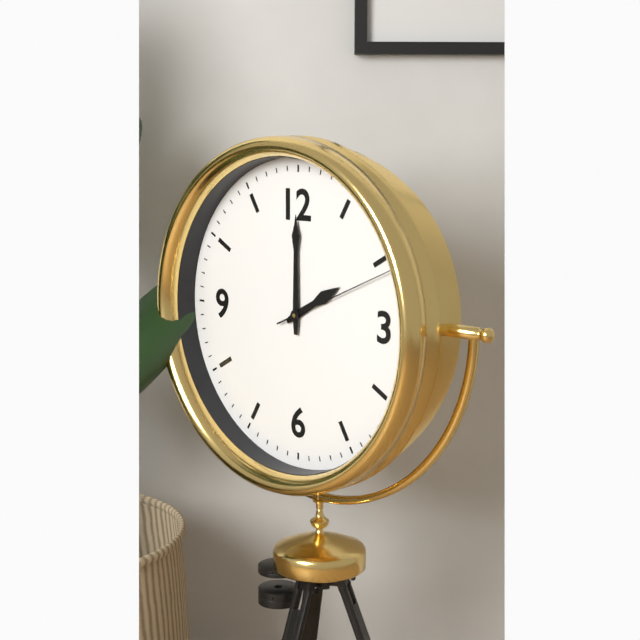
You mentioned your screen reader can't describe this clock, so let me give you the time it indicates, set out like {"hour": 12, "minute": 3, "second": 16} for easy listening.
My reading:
{"hour": 2, "minute": 0, "second": 11}
